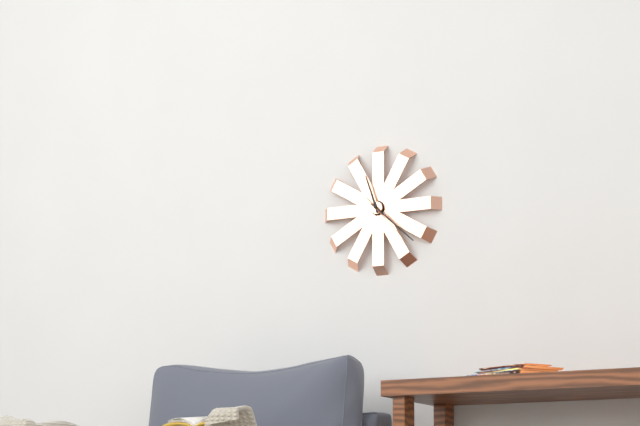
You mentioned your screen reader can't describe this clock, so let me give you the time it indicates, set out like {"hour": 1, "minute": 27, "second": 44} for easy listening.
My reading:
{"hour": 11, "minute": 22, "second": 23}
